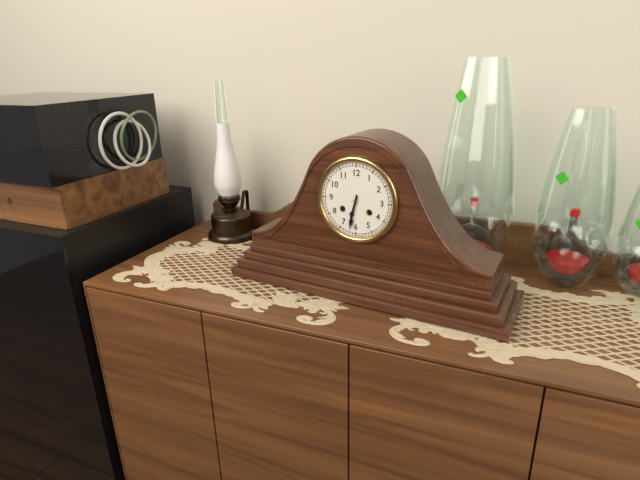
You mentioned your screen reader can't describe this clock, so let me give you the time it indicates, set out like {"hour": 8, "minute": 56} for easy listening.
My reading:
{"hour": 6, "minute": 32}
